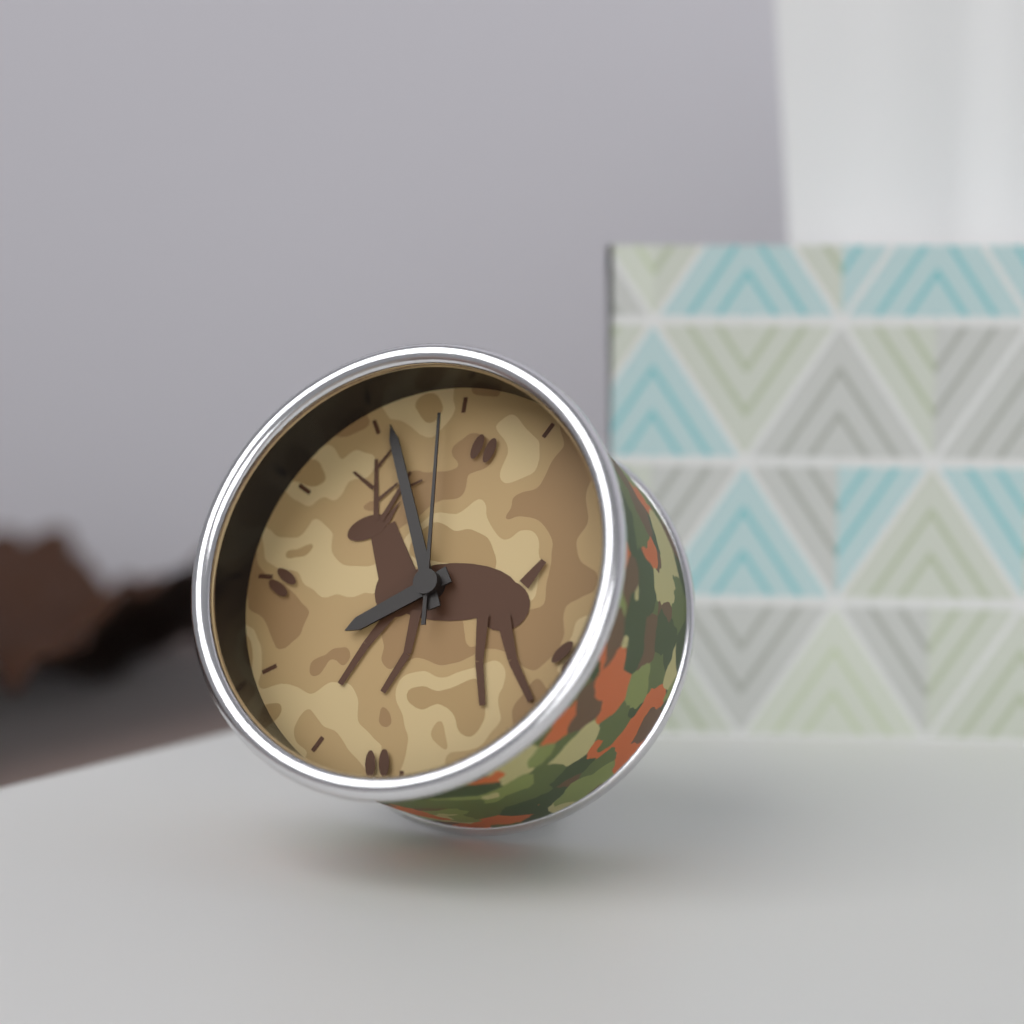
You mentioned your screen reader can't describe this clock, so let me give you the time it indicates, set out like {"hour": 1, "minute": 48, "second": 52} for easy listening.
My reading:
{"hour": 7, "minute": 56, "second": 59}
